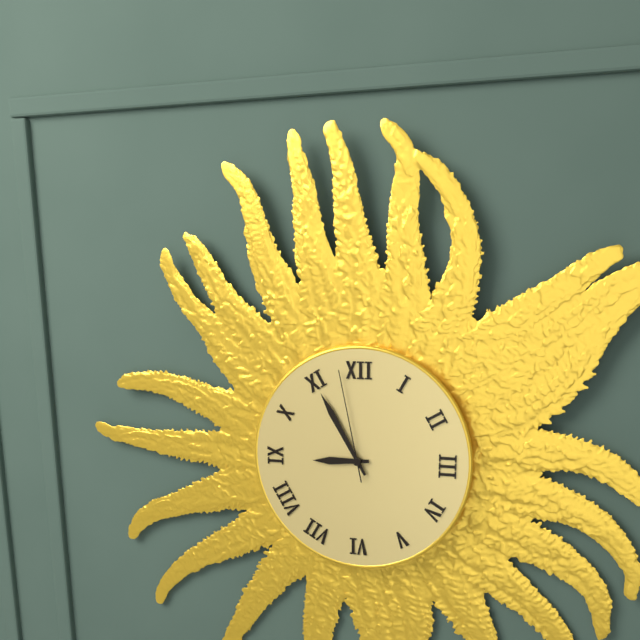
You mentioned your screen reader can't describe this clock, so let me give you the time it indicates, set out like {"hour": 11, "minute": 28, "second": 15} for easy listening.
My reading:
{"hour": 8, "minute": 55, "second": 58}
